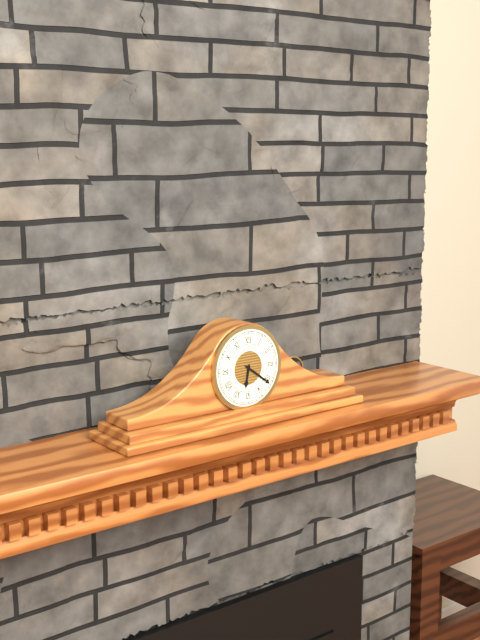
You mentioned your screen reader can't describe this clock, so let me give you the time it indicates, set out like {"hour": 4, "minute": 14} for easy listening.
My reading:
{"hour": 6, "minute": 21}
